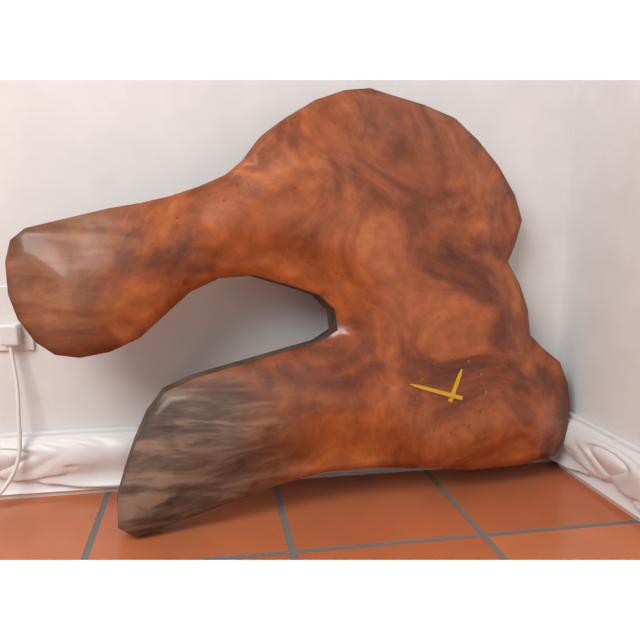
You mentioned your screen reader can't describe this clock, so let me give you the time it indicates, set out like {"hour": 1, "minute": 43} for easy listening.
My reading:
{"hour": 12, "minute": 48}
